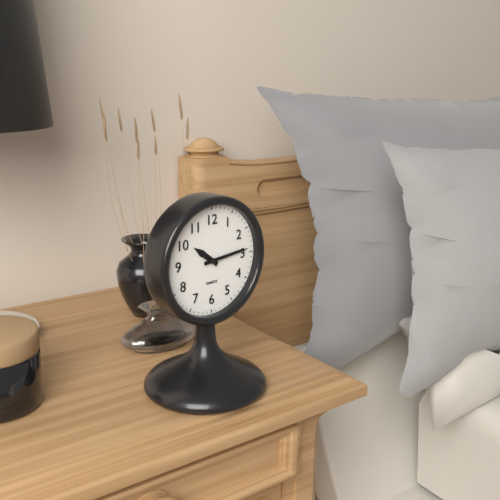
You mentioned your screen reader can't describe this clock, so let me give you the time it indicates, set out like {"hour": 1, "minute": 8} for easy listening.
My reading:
{"hour": 10, "minute": 14}
